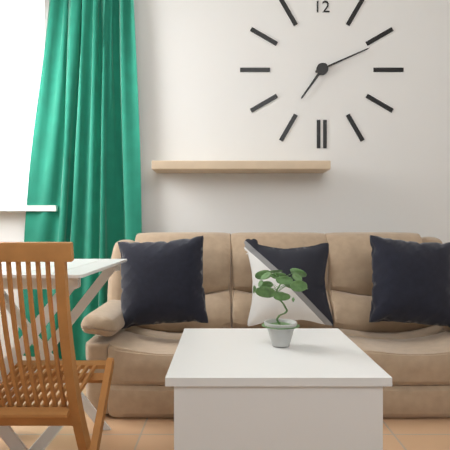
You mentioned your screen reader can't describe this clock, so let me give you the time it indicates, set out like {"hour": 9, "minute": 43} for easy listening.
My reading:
{"hour": 7, "minute": 11}
